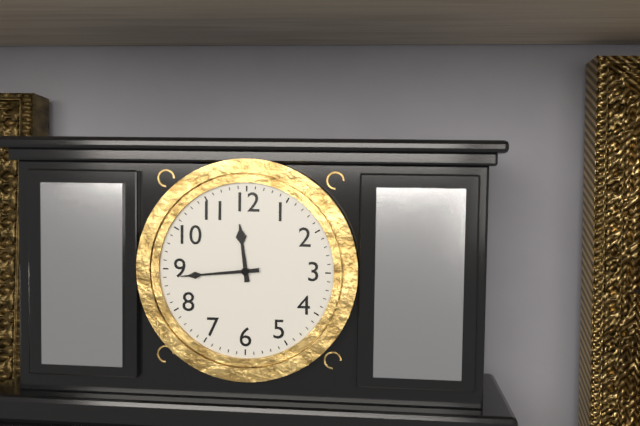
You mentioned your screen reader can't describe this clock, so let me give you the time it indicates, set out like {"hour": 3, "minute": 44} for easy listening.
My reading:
{"hour": 11, "minute": 44}
